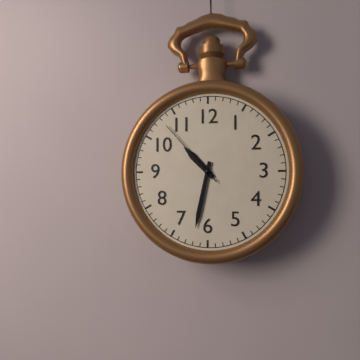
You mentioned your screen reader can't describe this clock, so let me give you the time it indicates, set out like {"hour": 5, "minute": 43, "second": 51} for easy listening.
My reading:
{"hour": 10, "minute": 32, "second": 53}
